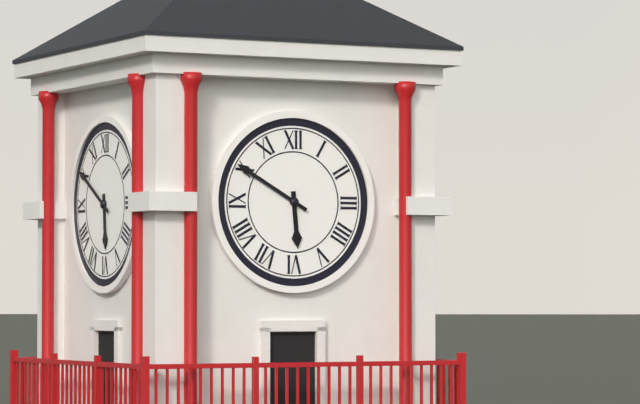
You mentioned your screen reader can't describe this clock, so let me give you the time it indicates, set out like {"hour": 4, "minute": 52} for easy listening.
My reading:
{"hour": 5, "minute": 50}
